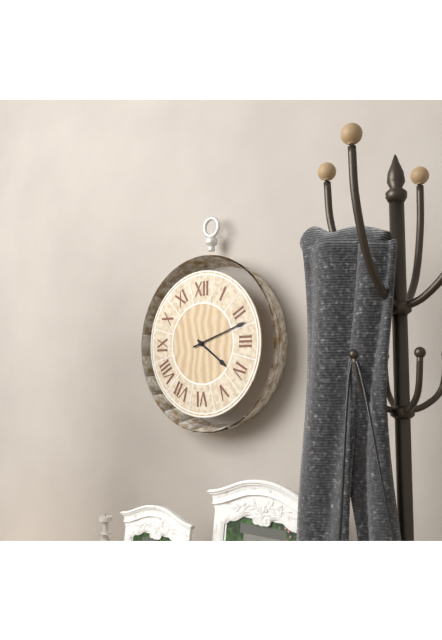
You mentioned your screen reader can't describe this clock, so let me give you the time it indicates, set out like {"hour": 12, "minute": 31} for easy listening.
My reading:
{"hour": 4, "minute": 12}
